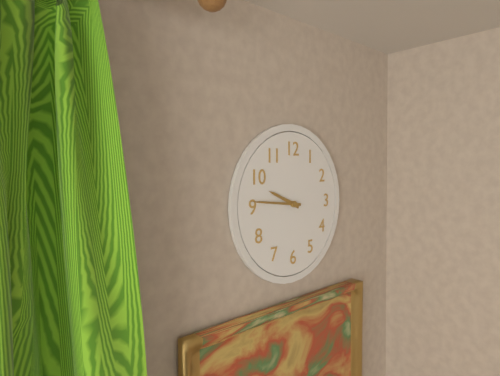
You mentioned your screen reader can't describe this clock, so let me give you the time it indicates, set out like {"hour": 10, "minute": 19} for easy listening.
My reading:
{"hour": 9, "minute": 46}
